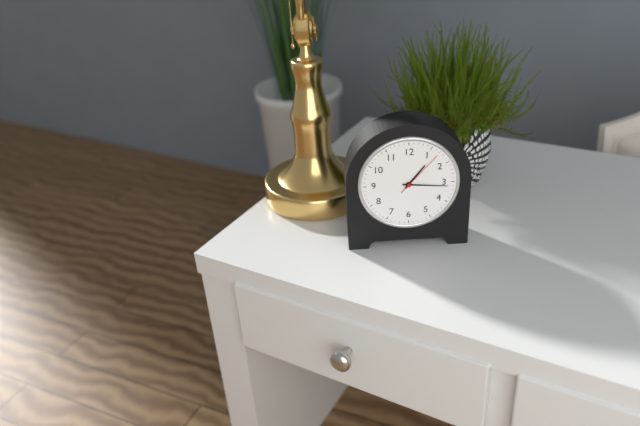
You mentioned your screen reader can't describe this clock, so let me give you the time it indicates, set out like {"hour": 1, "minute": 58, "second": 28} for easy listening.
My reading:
{"hour": 1, "minute": 16, "second": 7}
